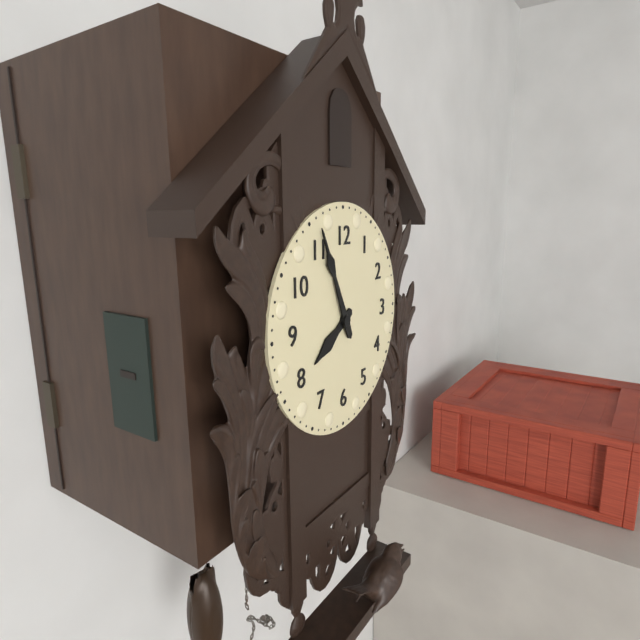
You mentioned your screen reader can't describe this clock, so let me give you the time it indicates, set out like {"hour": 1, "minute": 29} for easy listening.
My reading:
{"hour": 7, "minute": 56}
